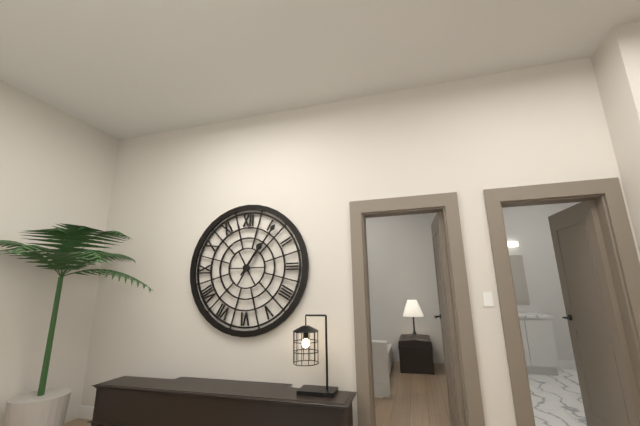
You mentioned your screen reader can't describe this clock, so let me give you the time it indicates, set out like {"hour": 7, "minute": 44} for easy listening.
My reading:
{"hour": 1, "minute": 6}
